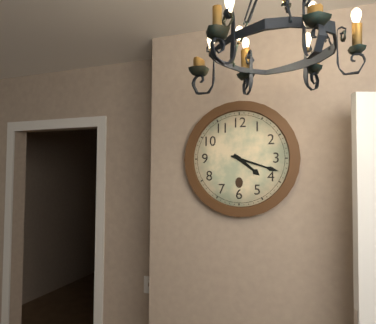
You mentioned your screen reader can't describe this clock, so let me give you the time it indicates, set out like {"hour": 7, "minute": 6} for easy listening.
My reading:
{"hour": 4, "minute": 18}
